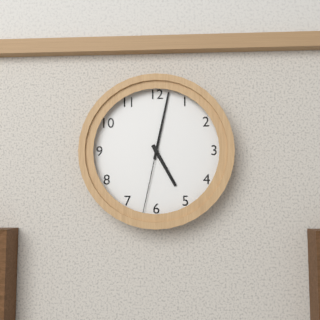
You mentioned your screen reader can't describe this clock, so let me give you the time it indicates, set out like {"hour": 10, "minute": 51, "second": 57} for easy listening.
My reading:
{"hour": 5, "minute": 2, "second": 32}
